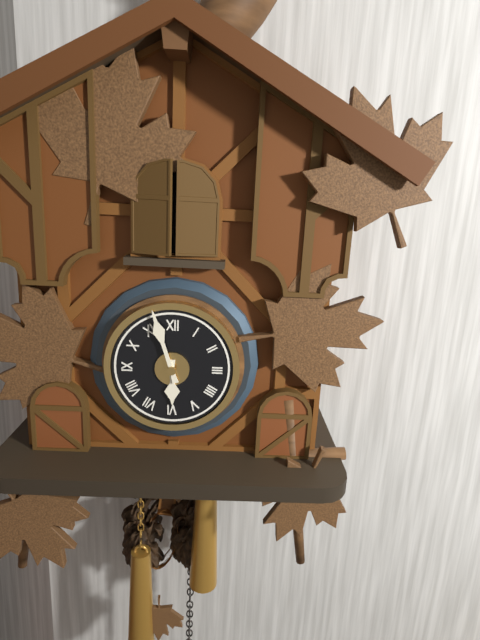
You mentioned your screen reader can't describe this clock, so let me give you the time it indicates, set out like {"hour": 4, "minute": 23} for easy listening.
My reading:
{"hour": 5, "minute": 57}
